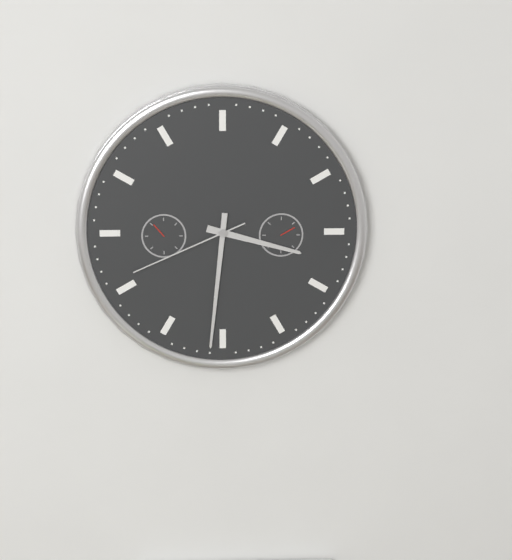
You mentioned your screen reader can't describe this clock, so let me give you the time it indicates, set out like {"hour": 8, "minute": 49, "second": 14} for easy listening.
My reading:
{"hour": 3, "minute": 31, "second": 41}
